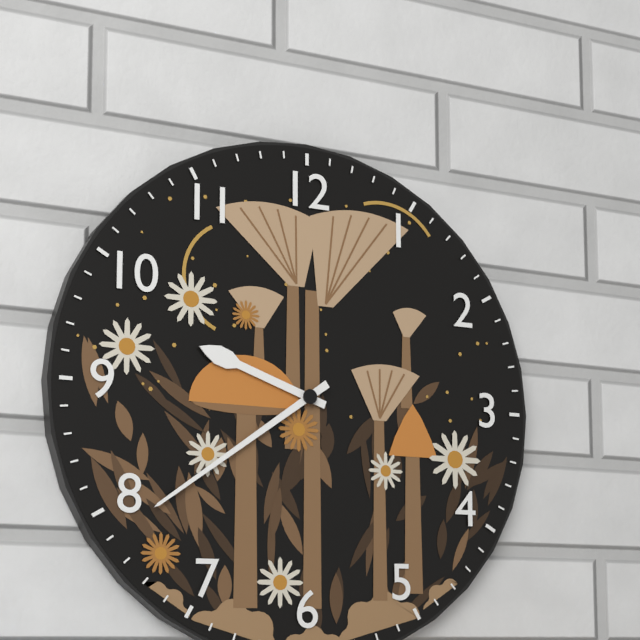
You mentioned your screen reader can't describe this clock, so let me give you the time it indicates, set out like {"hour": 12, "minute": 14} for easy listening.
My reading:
{"hour": 9, "minute": 39}
